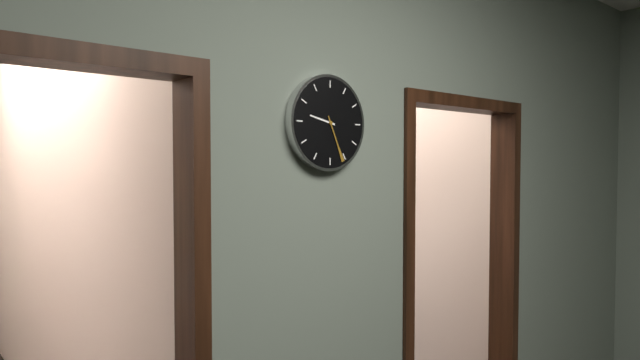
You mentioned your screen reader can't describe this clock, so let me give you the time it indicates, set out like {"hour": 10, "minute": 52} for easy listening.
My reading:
{"hour": 9, "minute": 26}
